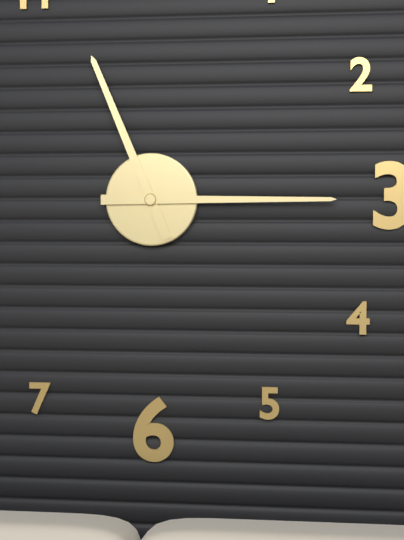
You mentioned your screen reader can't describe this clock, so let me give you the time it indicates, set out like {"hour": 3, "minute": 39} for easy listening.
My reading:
{"hour": 11, "minute": 15}
